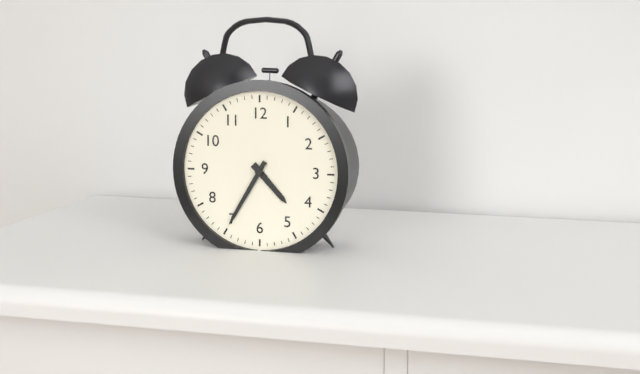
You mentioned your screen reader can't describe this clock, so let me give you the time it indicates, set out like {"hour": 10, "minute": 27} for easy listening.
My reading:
{"hour": 4, "minute": 35}
